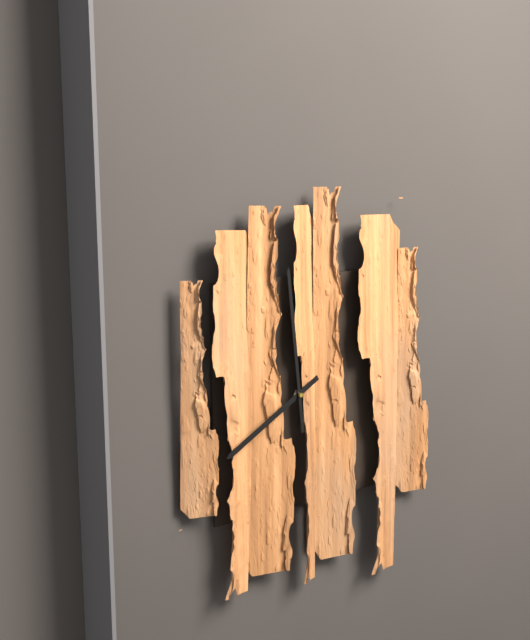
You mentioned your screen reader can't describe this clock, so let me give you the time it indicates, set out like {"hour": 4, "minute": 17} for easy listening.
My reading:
{"hour": 7, "minute": 59}
